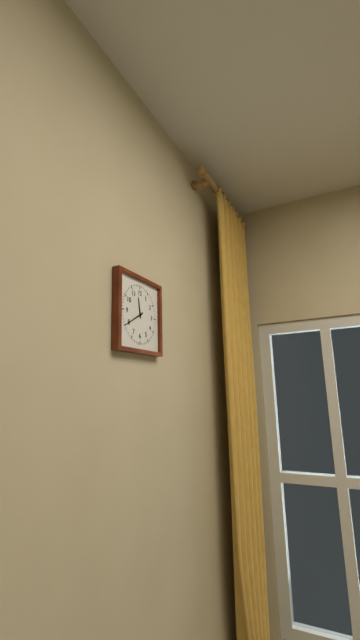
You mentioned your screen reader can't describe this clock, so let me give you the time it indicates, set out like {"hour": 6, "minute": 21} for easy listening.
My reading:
{"hour": 11, "minute": 40}
